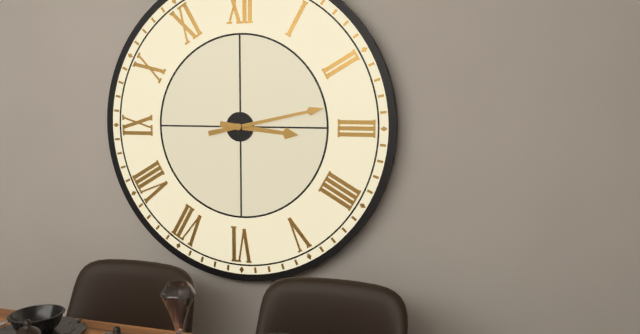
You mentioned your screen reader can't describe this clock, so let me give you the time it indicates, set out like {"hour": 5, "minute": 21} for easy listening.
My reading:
{"hour": 3, "minute": 13}
